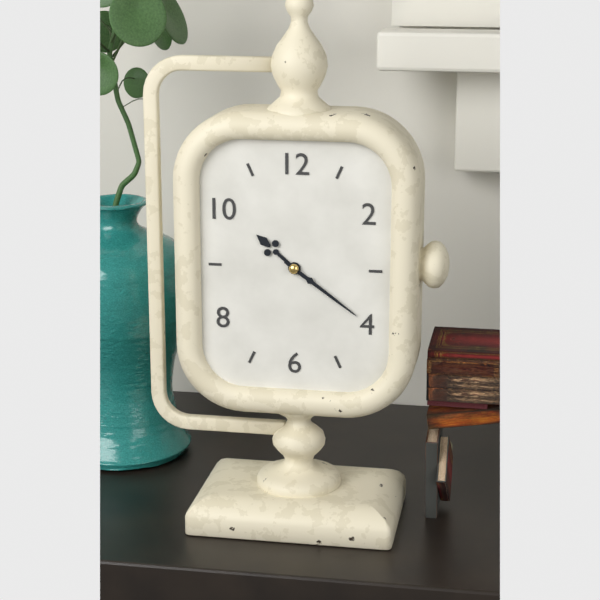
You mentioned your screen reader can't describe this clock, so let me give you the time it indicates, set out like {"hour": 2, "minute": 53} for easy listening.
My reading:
{"hour": 10, "minute": 21}
